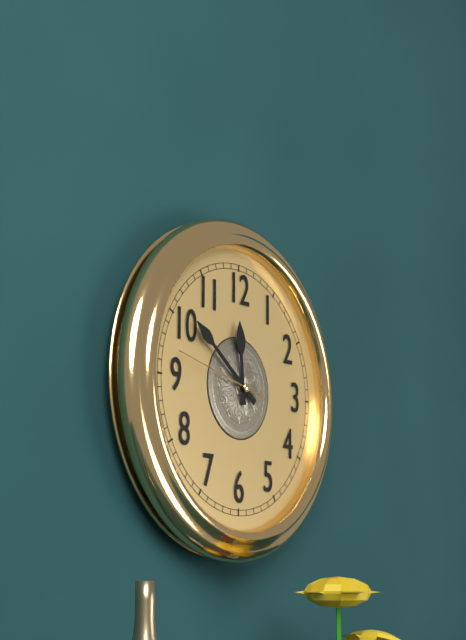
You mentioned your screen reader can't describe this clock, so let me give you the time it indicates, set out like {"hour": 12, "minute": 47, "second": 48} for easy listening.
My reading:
{"hour": 11, "minute": 51, "second": 47}
